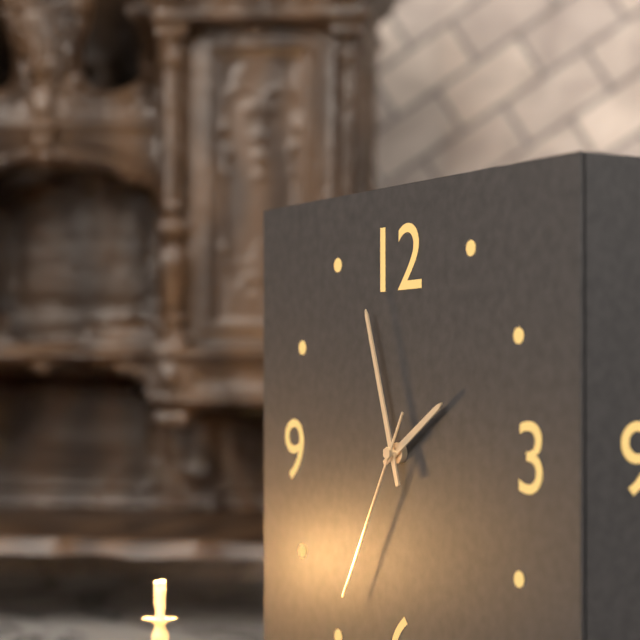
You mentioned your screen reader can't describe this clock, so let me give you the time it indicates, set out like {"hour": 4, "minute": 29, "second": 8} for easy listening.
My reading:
{"hour": 1, "minute": 57, "second": 35}
